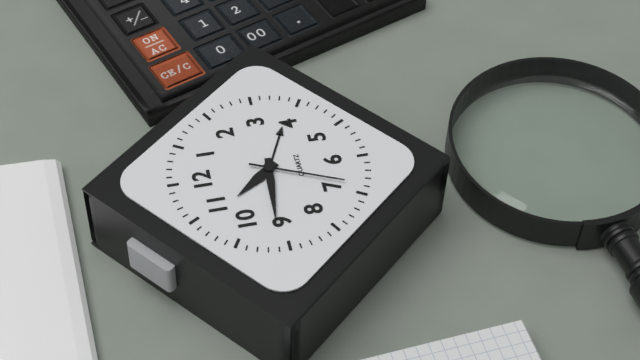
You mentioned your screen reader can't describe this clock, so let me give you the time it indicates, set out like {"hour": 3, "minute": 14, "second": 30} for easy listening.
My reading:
{"hour": 10, "minute": 46, "second": 34}
